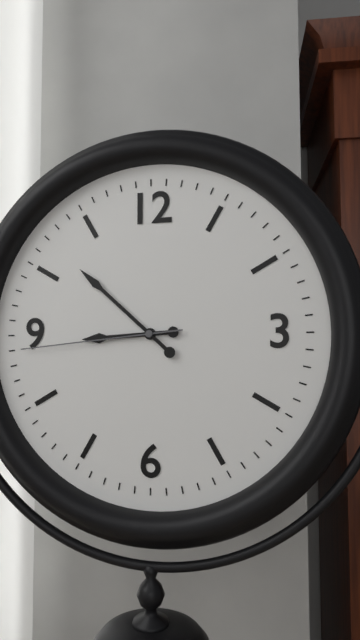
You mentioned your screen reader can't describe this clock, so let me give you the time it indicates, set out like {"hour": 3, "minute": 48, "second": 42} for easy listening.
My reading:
{"hour": 8, "minute": 52, "second": 44}
